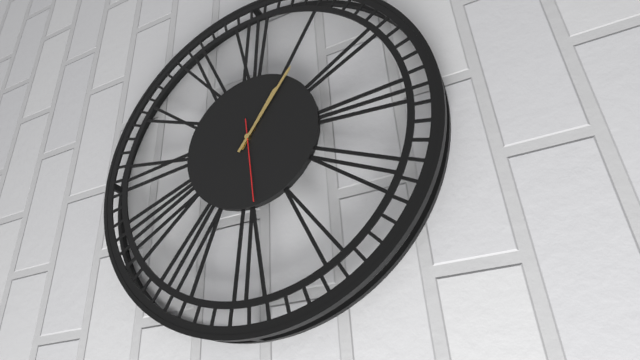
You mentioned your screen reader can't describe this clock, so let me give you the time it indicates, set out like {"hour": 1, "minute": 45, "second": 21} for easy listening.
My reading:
{"hour": 1, "minute": 6, "second": 29}
